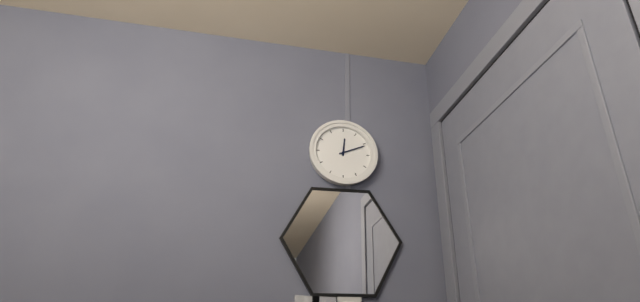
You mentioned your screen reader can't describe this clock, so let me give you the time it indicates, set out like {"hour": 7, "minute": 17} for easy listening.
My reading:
{"hour": 12, "minute": 11}
